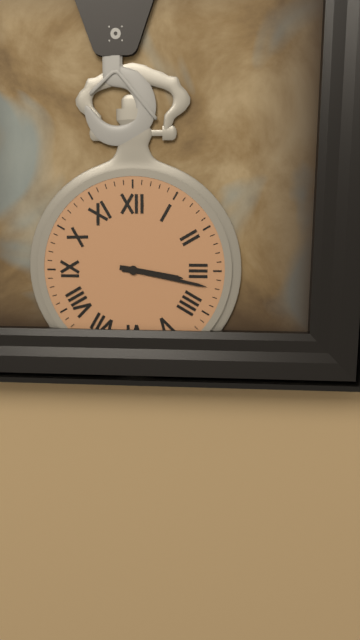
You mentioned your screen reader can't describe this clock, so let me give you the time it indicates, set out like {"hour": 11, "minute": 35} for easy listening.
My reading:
{"hour": 3, "minute": 17}
